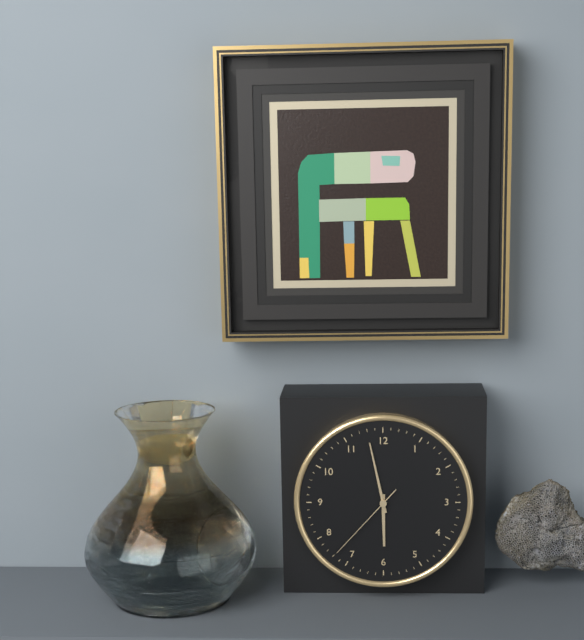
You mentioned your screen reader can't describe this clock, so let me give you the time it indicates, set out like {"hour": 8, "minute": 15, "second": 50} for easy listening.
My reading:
{"hour": 5, "minute": 58, "second": 37}
